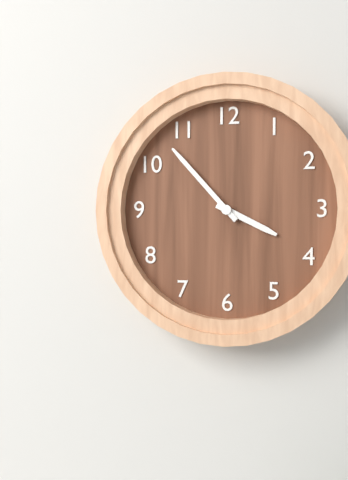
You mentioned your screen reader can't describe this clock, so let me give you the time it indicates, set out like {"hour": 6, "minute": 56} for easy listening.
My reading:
{"hour": 3, "minute": 53}
